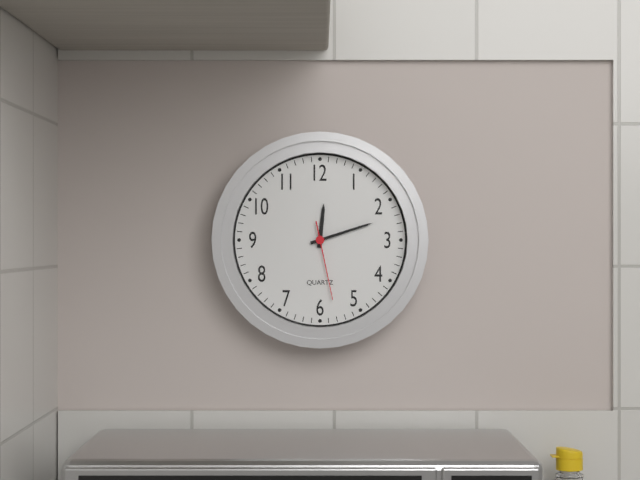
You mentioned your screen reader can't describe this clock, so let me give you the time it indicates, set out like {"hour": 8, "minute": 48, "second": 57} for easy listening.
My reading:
{"hour": 12, "minute": 12, "second": 28}
